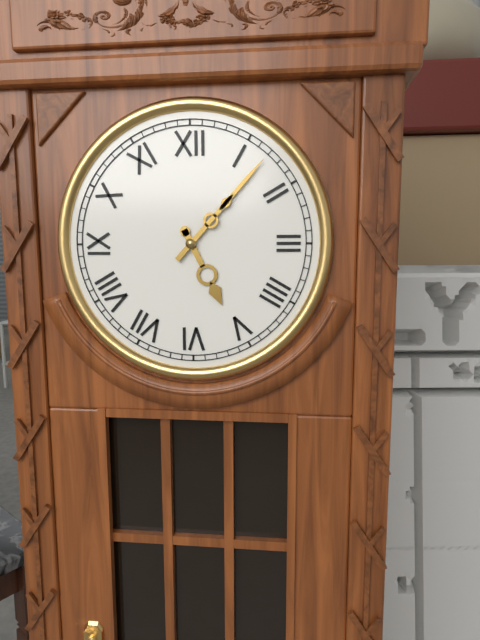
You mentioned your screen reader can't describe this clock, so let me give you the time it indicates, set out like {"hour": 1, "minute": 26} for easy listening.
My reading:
{"hour": 5, "minute": 7}
